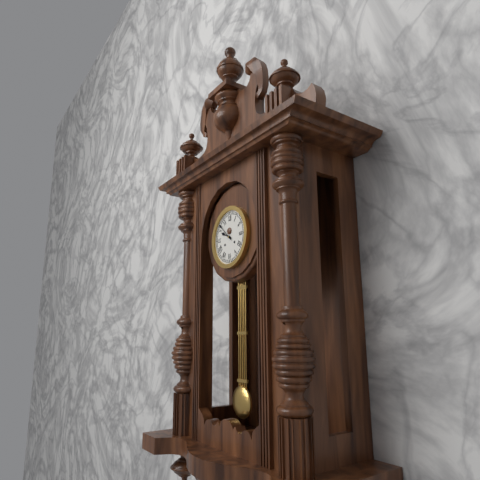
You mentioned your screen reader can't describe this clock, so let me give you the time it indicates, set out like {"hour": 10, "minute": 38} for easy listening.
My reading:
{"hour": 9, "minute": 52}
